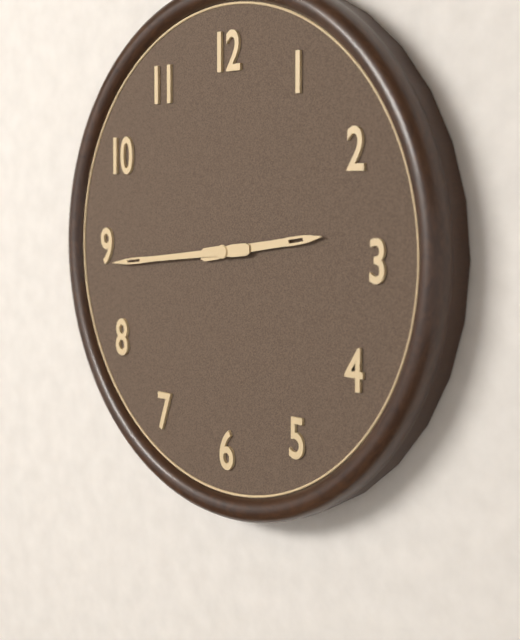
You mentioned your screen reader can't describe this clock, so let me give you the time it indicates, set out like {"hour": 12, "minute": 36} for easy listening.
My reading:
{"hour": 2, "minute": 44}
